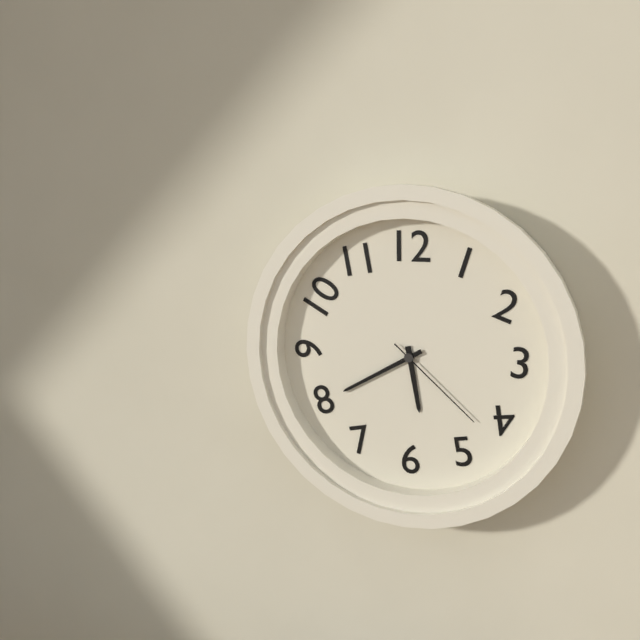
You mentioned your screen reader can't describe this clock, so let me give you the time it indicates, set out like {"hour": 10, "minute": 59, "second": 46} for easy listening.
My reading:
{"hour": 5, "minute": 40, "second": 22}
